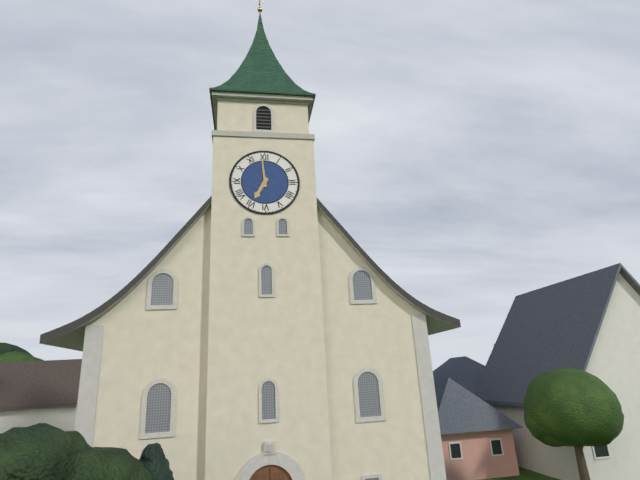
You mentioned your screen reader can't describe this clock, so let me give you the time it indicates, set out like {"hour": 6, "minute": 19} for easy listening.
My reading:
{"hour": 6, "minute": 59}
